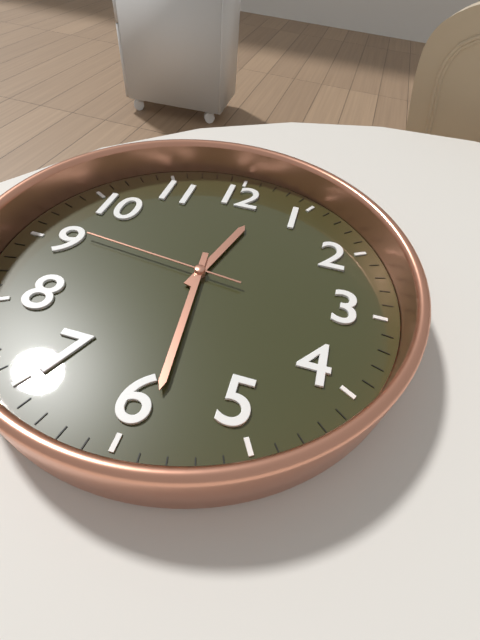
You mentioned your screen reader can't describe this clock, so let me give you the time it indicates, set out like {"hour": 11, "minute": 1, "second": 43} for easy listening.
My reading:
{"hour": 12, "minute": 29, "second": 46}
